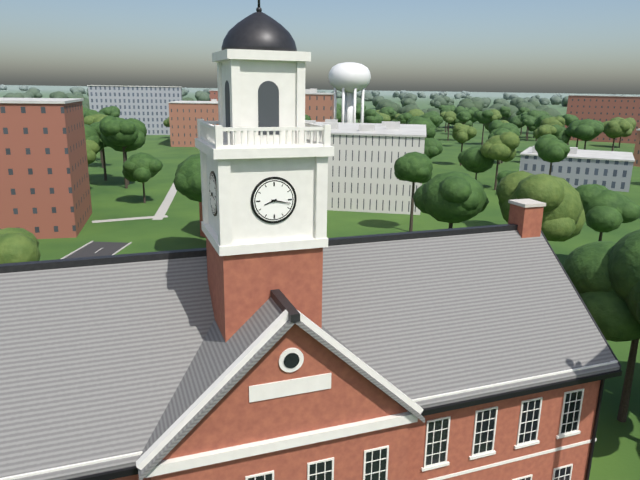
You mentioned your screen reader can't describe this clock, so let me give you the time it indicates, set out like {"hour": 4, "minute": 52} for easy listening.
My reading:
{"hour": 8, "minute": 17}
